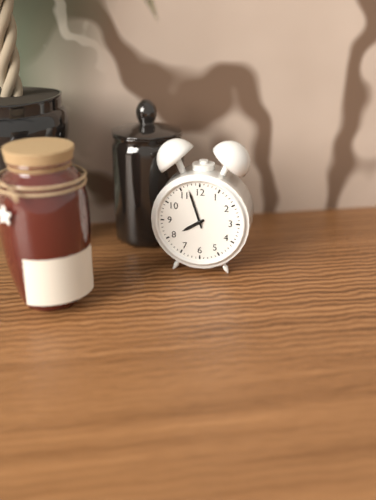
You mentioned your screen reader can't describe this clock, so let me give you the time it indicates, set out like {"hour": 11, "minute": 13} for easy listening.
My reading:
{"hour": 7, "minute": 57}
